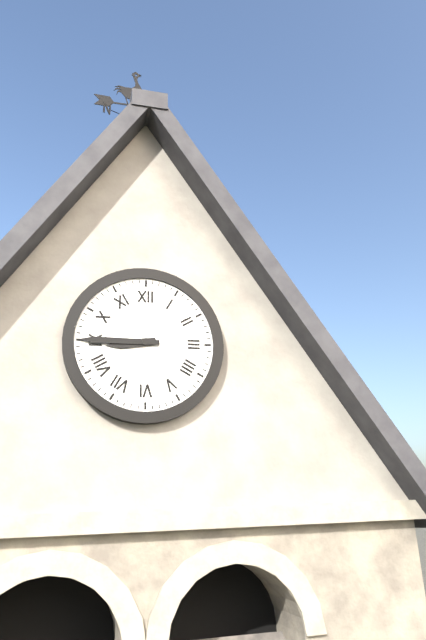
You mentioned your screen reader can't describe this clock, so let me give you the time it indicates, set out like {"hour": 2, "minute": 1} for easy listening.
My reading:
{"hour": 8, "minute": 45}
